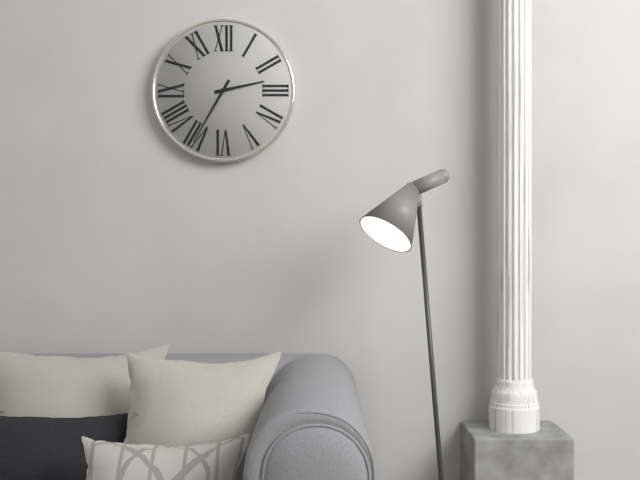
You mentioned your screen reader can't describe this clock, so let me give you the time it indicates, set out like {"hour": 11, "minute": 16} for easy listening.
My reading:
{"hour": 2, "minute": 35}
